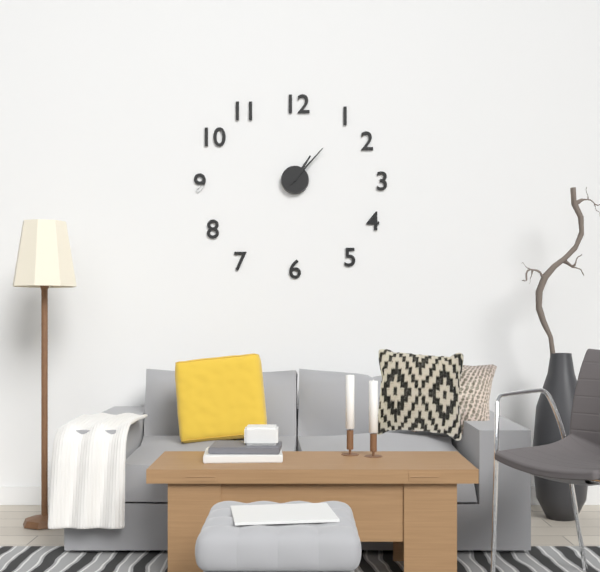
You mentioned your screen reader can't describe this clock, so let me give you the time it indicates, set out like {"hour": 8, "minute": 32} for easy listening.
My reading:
{"hour": 1, "minute": 7}
